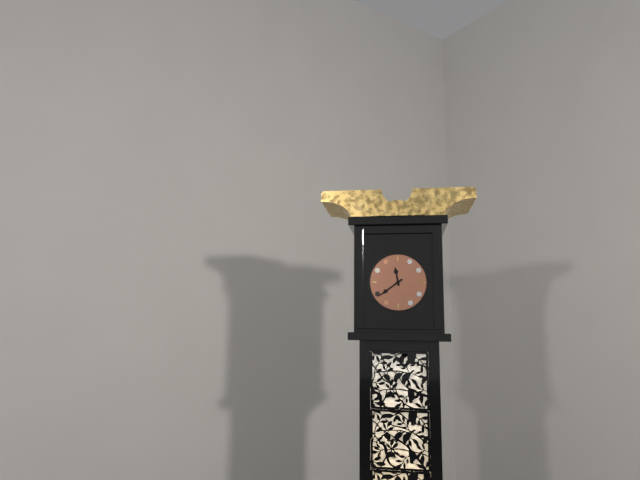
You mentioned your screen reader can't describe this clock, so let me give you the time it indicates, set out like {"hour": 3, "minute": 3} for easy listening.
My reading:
{"hour": 11, "minute": 39}
